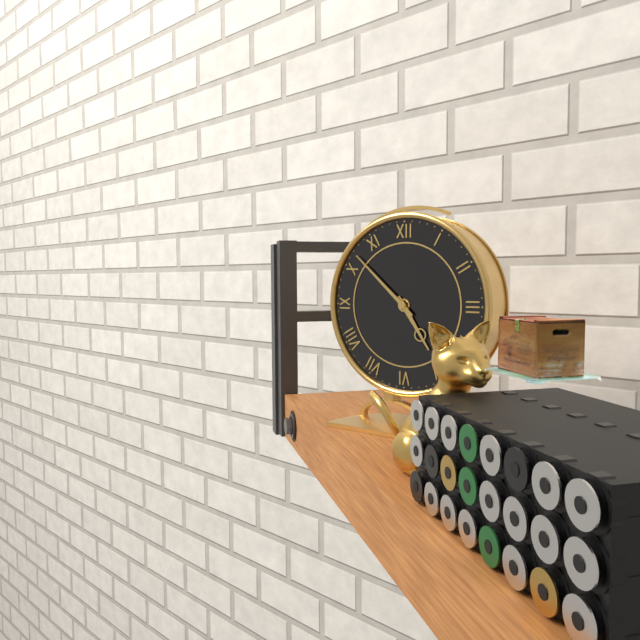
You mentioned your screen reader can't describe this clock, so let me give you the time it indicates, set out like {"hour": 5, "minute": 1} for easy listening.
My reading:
{"hour": 4, "minute": 52}
